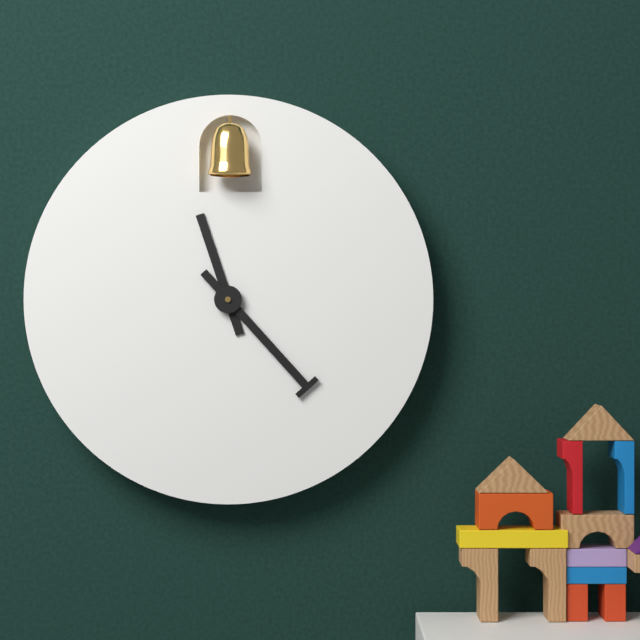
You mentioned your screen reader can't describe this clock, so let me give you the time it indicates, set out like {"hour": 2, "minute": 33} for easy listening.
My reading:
{"hour": 11, "minute": 23}
